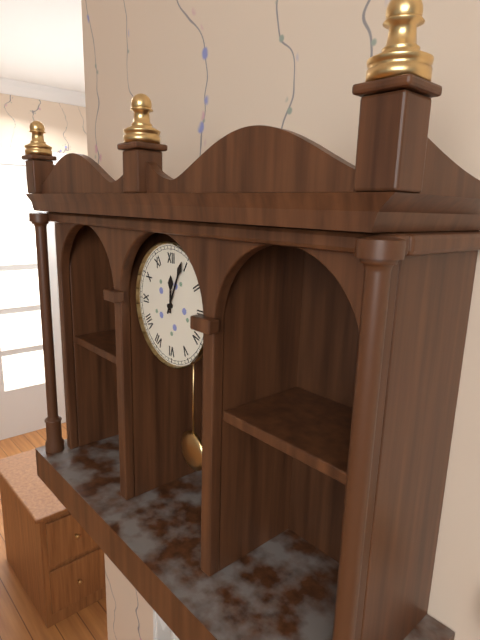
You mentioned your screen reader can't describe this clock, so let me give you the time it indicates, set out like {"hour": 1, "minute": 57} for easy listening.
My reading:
{"hour": 12, "minute": 4}
